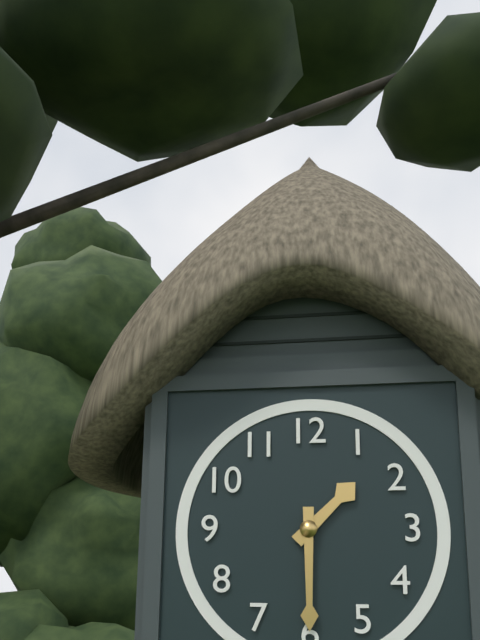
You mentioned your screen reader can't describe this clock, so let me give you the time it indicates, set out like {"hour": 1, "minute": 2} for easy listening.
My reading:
{"hour": 1, "minute": 30}
